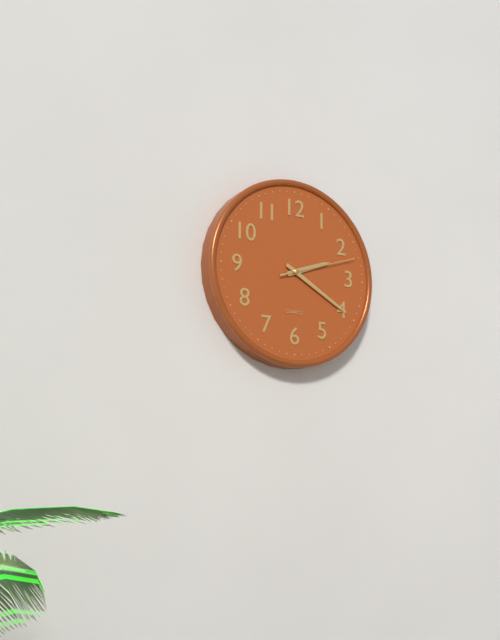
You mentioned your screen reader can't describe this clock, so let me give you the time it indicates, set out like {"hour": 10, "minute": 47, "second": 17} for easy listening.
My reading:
{"hour": 2, "minute": 20, "second": 12}
